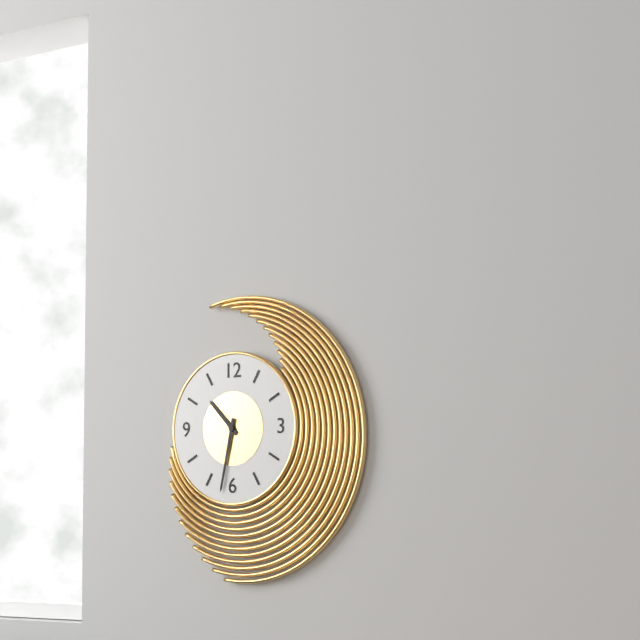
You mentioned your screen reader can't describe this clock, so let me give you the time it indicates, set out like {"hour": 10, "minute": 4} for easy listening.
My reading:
{"hour": 10, "minute": 32}
